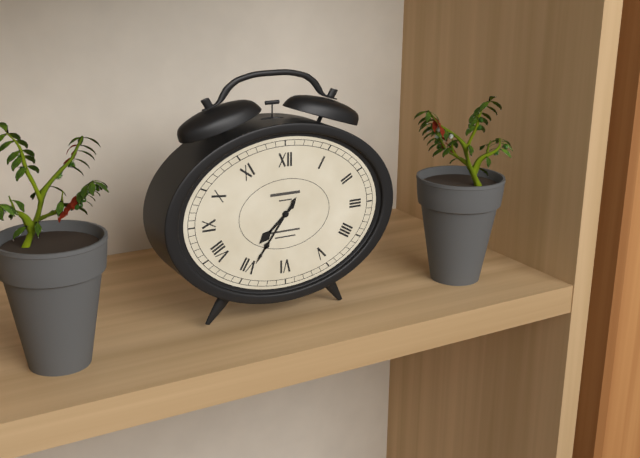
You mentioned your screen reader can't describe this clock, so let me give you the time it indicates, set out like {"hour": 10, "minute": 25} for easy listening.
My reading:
{"hour": 7, "minute": 36}
